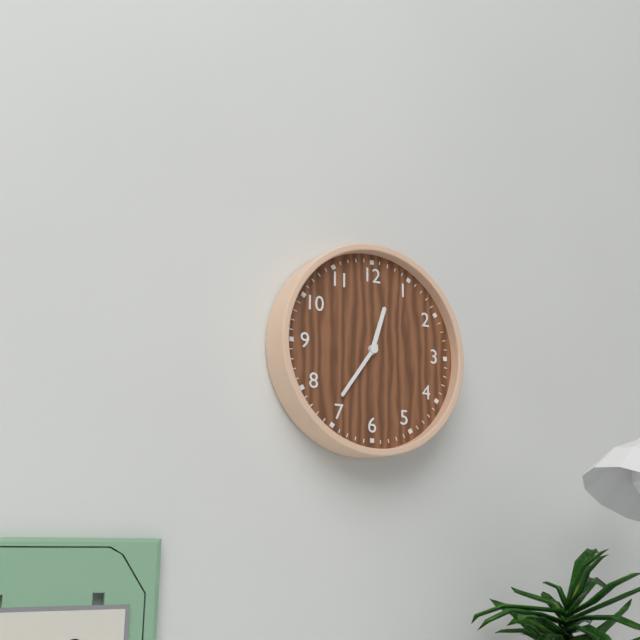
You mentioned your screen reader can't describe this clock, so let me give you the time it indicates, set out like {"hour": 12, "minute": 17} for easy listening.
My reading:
{"hour": 12, "minute": 36}
